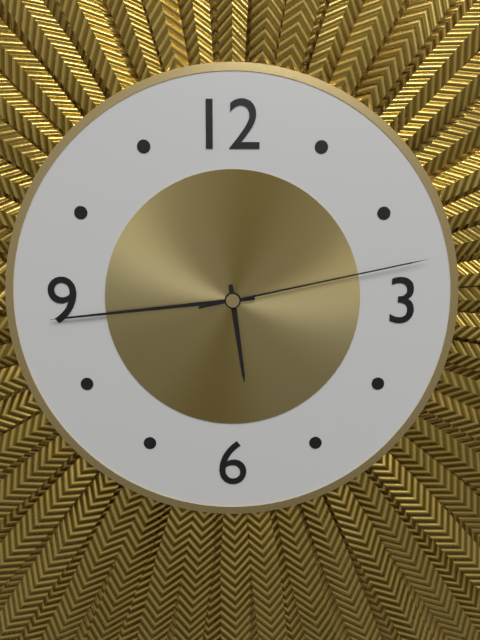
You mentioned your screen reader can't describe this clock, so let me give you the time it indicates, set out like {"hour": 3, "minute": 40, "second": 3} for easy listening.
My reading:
{"hour": 5, "minute": 44, "second": 13}
